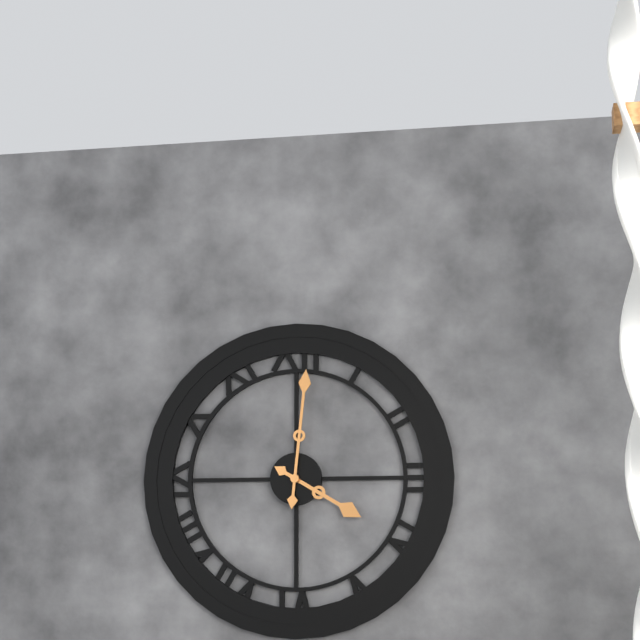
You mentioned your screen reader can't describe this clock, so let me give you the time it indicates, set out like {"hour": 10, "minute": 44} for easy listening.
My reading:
{"hour": 4, "minute": 1}
